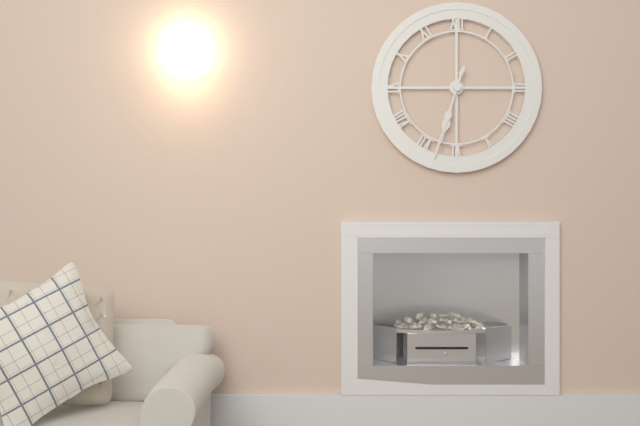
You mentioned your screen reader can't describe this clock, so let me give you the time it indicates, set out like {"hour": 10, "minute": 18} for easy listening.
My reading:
{"hour": 6, "minute": 33}
